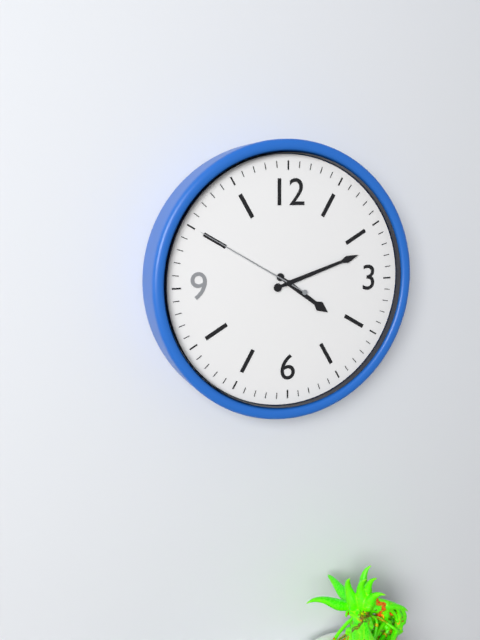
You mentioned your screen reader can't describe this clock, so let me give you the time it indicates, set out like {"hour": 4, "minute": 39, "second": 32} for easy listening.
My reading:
{"hour": 4, "minute": 12, "second": 50}
